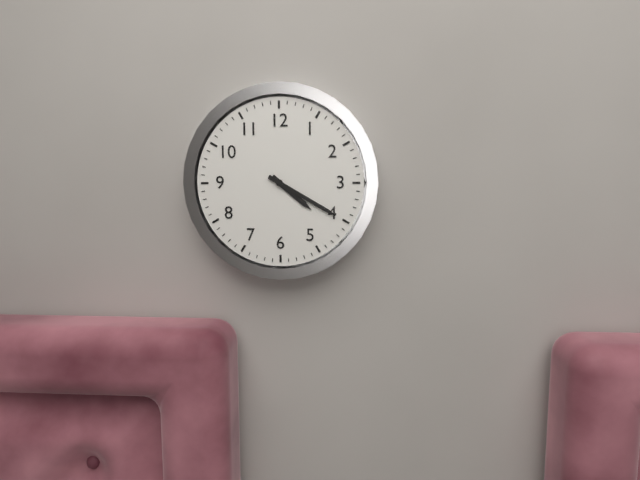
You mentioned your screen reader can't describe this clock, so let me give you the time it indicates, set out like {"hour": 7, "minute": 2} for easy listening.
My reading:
{"hour": 4, "minute": 20}
